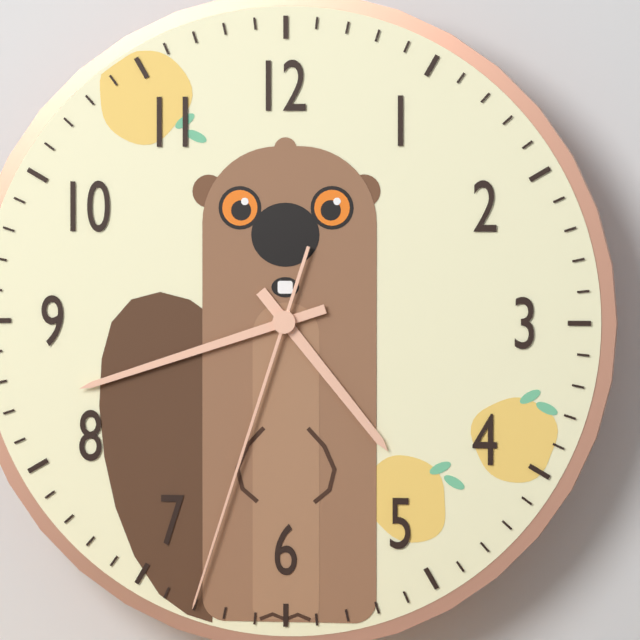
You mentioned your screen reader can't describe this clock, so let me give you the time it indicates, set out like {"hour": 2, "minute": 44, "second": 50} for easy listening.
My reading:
{"hour": 4, "minute": 42, "second": 33}
